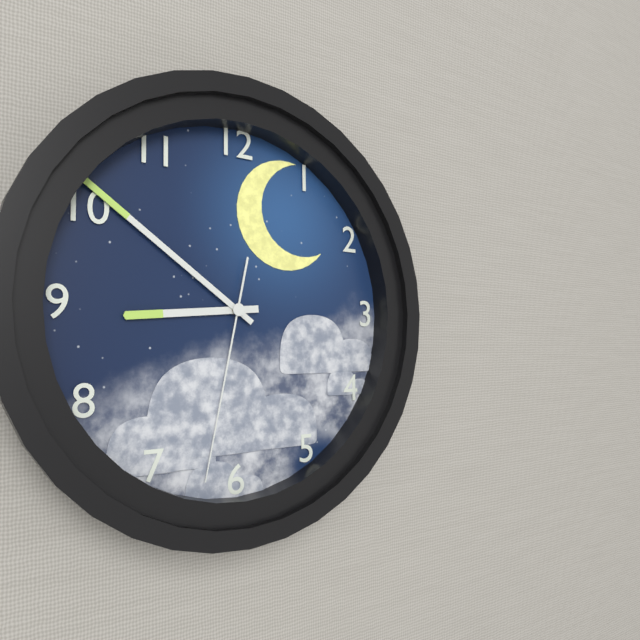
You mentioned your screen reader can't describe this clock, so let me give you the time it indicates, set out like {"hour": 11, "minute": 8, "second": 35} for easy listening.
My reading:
{"hour": 8, "minute": 51, "second": 32}
